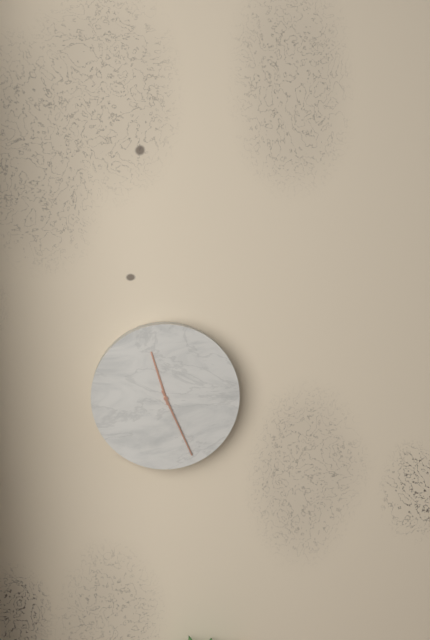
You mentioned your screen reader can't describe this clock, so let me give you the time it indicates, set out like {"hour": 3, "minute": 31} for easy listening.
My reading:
{"hour": 11, "minute": 26}
